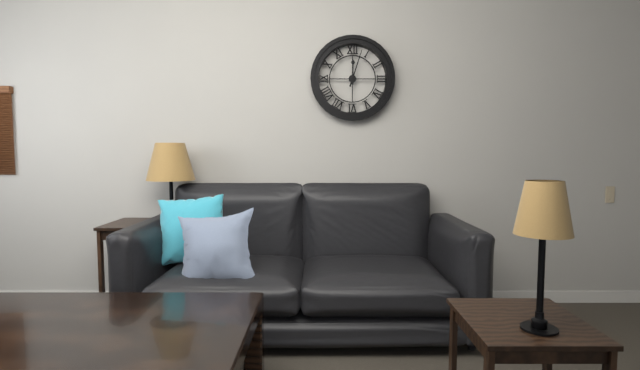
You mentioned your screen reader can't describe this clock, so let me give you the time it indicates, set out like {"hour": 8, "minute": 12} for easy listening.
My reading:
{"hour": 12, "minute": 3}
